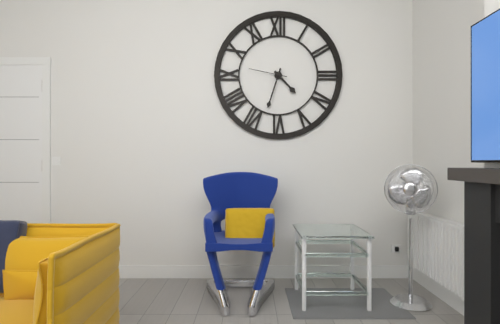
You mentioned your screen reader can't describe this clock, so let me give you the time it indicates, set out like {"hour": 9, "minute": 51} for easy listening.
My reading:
{"hour": 4, "minute": 33}
